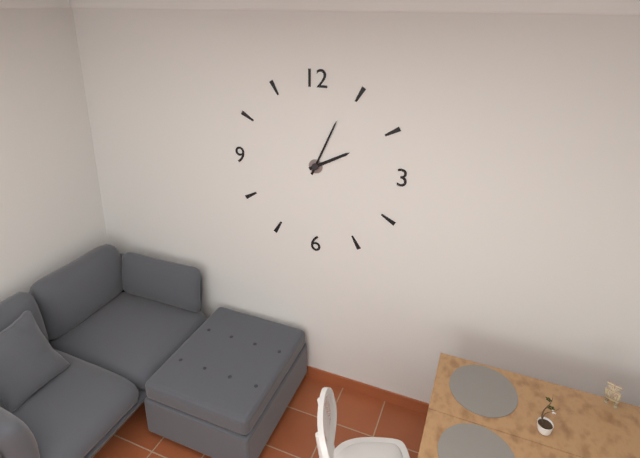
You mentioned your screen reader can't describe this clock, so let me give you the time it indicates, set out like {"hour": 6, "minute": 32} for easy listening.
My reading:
{"hour": 2, "minute": 4}
